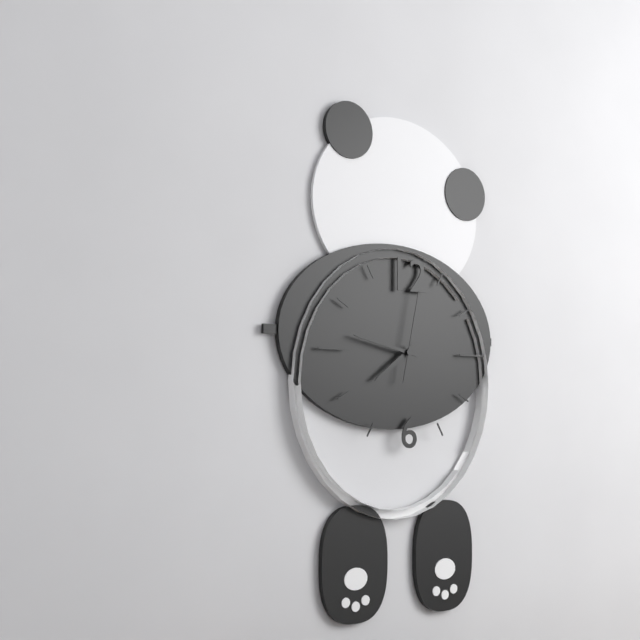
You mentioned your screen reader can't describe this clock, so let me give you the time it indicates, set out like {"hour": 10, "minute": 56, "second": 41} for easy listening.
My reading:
{"hour": 7, "minute": 47, "second": 2}
